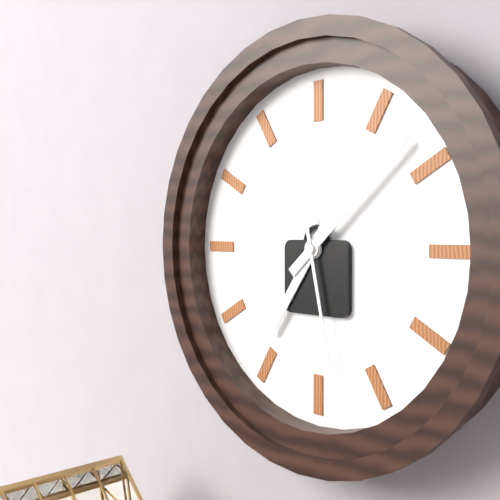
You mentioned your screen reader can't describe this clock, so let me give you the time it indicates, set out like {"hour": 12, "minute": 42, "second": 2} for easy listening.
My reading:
{"hour": 7, "minute": 8, "second": 28}
